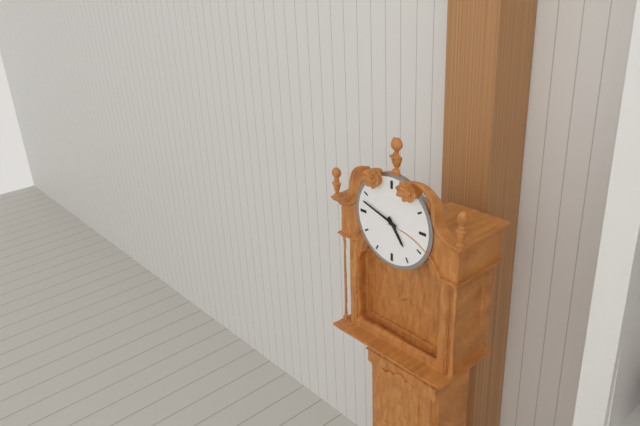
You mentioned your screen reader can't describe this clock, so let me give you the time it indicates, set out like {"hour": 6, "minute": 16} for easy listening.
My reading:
{"hour": 4, "minute": 48}
